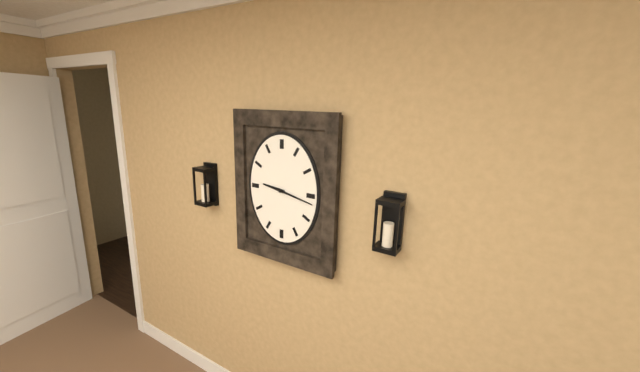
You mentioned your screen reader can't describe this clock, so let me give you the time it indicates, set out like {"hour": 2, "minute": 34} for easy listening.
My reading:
{"hour": 9, "minute": 17}
